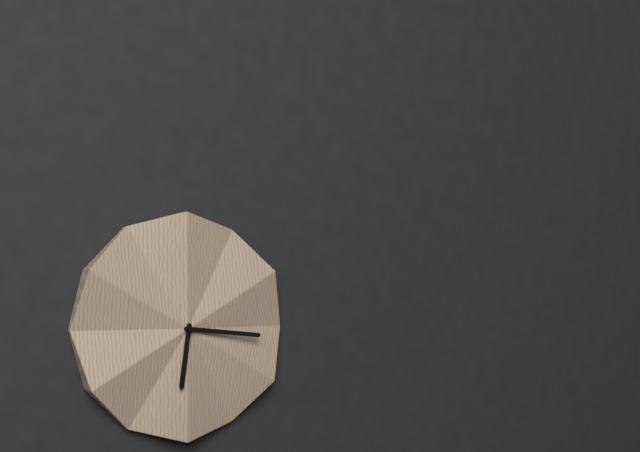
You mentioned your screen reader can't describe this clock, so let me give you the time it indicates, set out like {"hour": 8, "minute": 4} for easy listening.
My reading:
{"hour": 6, "minute": 16}
